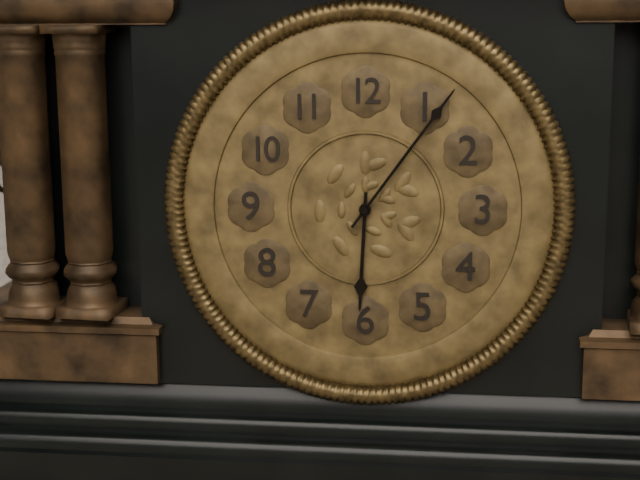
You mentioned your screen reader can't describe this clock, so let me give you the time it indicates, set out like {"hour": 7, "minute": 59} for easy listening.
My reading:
{"hour": 6, "minute": 6}
